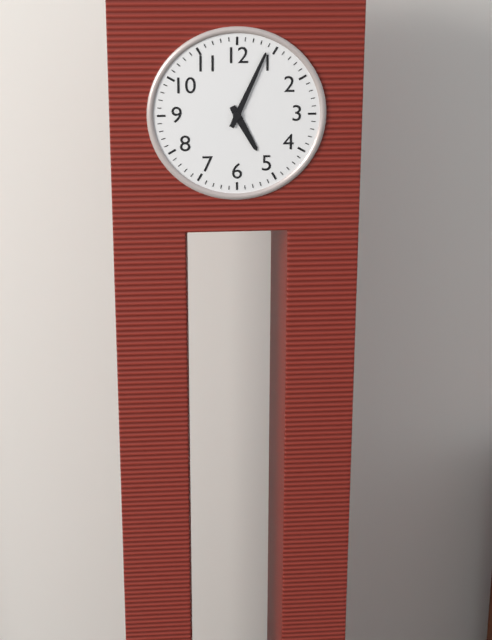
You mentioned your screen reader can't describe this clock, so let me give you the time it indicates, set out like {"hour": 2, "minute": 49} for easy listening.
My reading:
{"hour": 5, "minute": 4}
